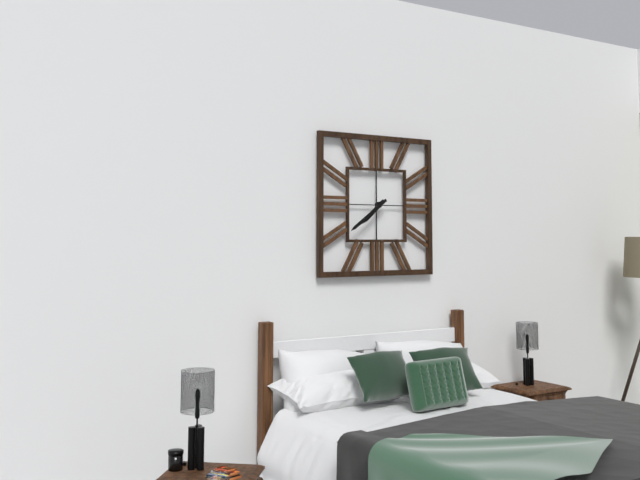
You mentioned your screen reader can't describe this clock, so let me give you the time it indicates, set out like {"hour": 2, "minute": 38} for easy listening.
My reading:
{"hour": 7, "minute": 39}
